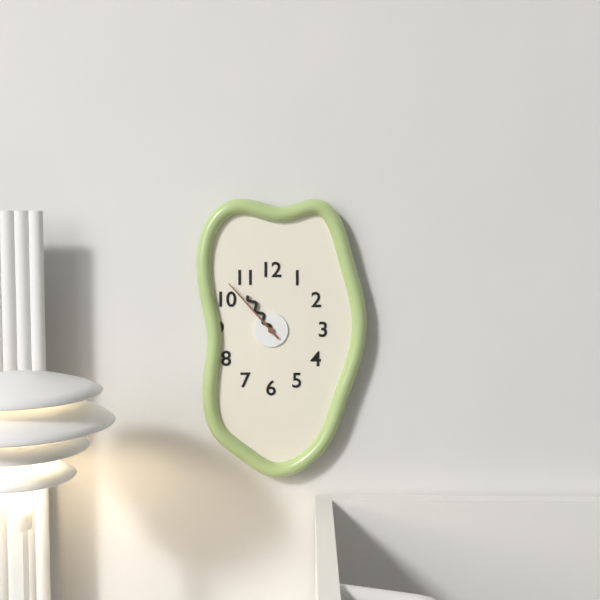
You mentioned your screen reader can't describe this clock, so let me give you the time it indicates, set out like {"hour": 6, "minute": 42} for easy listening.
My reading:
{"hour": 10, "minute": 53}
